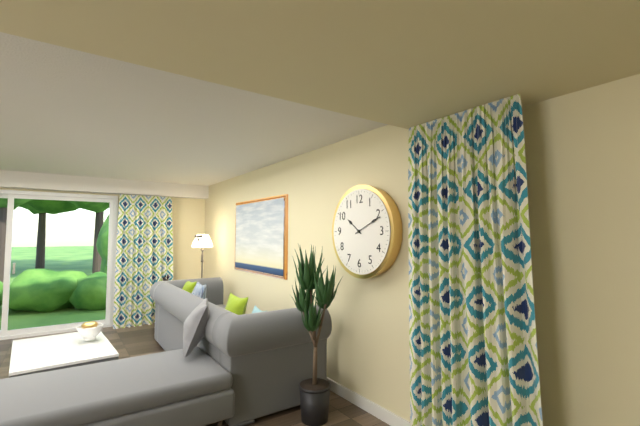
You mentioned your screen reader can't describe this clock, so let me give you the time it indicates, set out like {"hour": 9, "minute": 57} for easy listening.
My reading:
{"hour": 10, "minute": 11}
